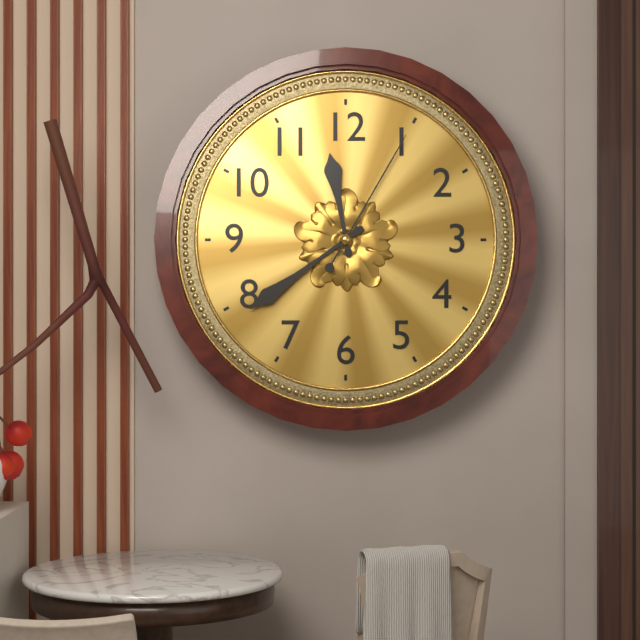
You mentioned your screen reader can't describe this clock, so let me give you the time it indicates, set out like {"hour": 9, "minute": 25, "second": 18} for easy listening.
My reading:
{"hour": 11, "minute": 39, "second": 5}
